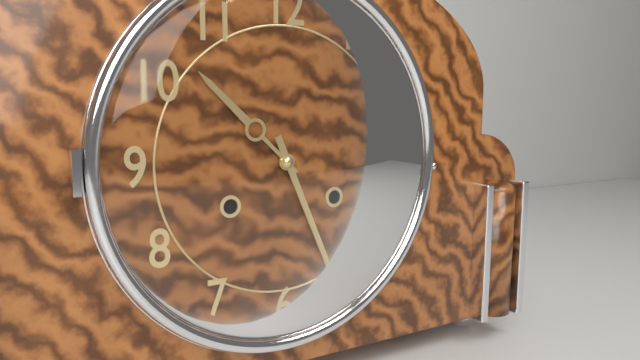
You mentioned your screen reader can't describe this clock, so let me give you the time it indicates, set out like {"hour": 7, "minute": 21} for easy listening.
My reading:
{"hour": 10, "minute": 26}
